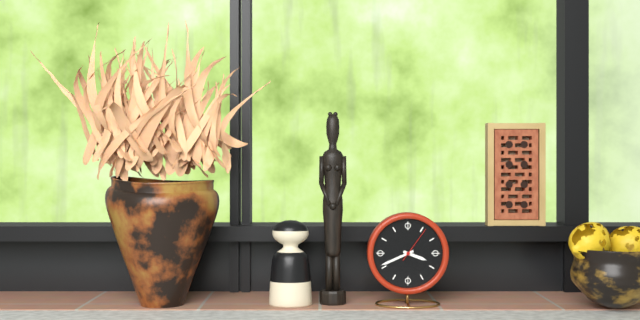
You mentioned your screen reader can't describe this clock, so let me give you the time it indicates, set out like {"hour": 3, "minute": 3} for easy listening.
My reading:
{"hour": 3, "minute": 41}
